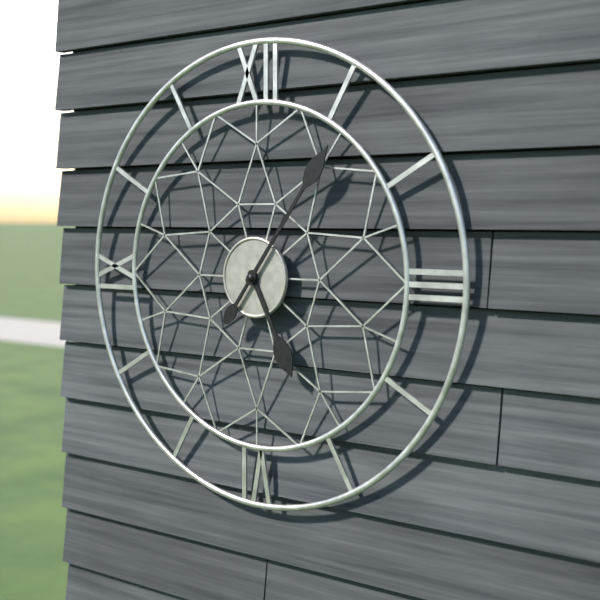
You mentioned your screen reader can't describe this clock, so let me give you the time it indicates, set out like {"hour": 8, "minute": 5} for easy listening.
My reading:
{"hour": 5, "minute": 6}
